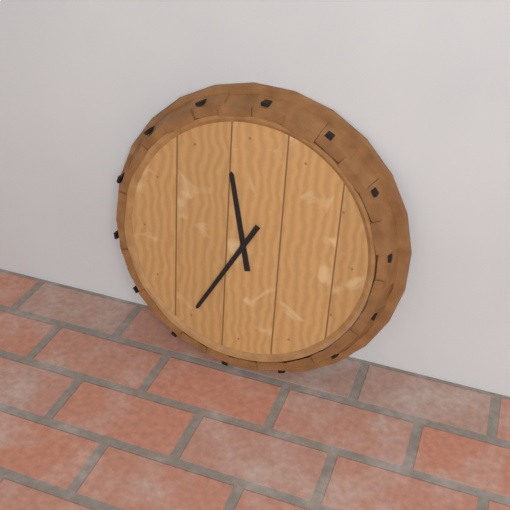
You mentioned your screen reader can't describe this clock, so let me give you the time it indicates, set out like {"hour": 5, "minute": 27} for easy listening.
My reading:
{"hour": 11, "minute": 35}
